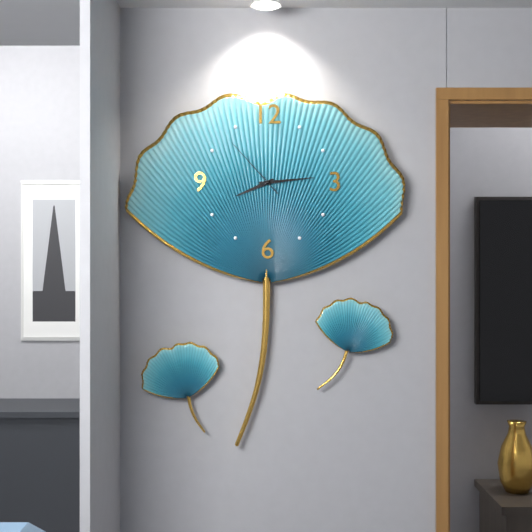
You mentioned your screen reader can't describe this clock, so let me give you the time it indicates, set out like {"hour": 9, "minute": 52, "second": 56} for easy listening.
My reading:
{"hour": 8, "minute": 14, "second": 53}
